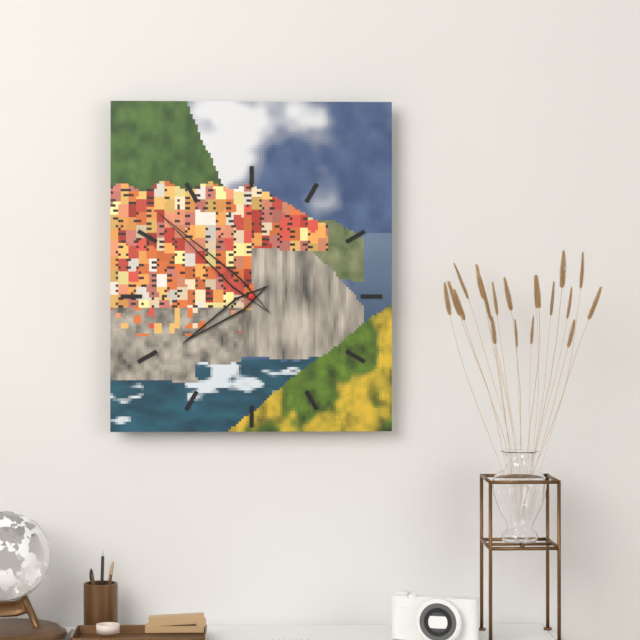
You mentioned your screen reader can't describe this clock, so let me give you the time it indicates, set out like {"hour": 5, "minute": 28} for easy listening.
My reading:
{"hour": 7, "minute": 52}
